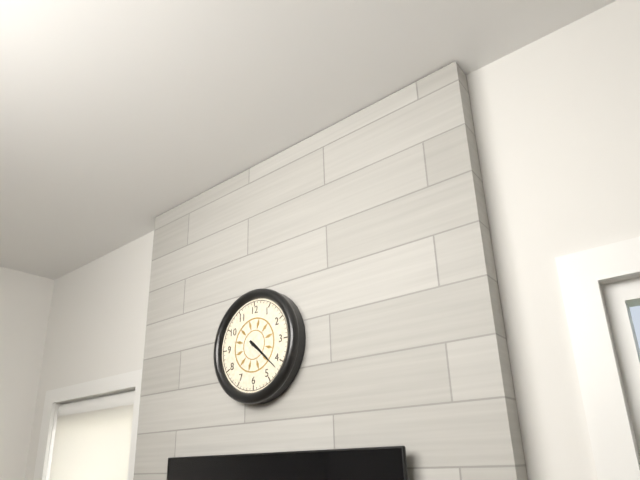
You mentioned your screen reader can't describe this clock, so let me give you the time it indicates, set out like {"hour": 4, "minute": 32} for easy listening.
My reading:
{"hour": 4, "minute": 22}
